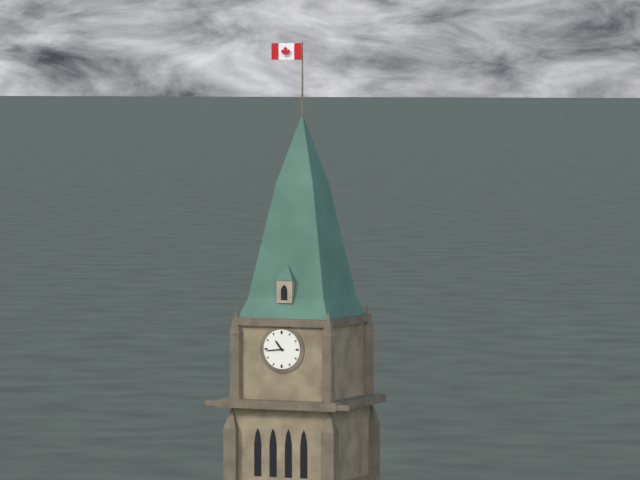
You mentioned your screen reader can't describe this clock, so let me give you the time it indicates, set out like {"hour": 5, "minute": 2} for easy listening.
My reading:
{"hour": 10, "minute": 44}
